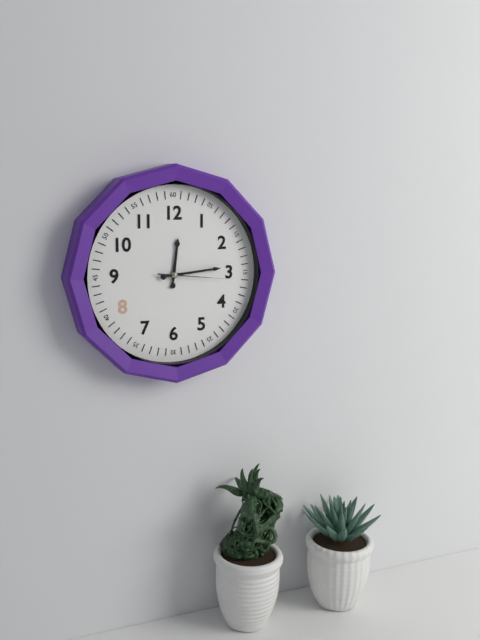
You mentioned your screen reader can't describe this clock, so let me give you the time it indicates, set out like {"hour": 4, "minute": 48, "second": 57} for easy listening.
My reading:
{"hour": 12, "minute": 14, "second": 16}
